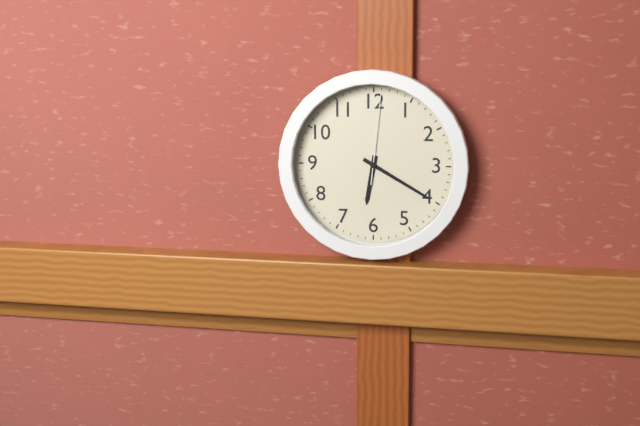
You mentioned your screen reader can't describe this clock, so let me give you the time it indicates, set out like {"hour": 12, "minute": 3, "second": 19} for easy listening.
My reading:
{"hour": 6, "minute": 20, "second": 1}
